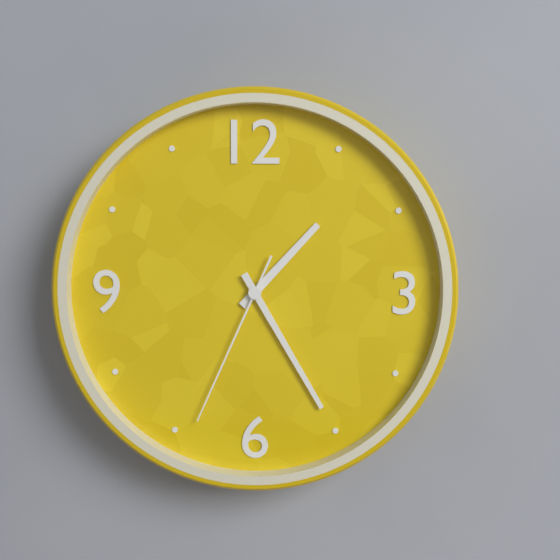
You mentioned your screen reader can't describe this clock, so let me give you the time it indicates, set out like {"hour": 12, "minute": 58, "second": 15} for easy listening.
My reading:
{"hour": 1, "minute": 25, "second": 34}
